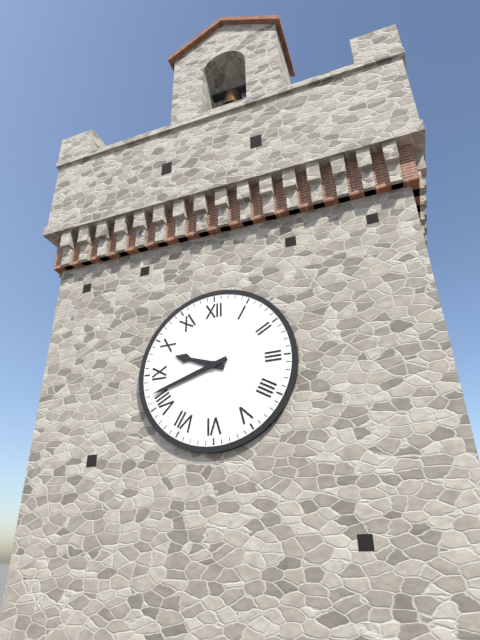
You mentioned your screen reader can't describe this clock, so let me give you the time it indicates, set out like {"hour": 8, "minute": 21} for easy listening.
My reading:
{"hour": 9, "minute": 42}
